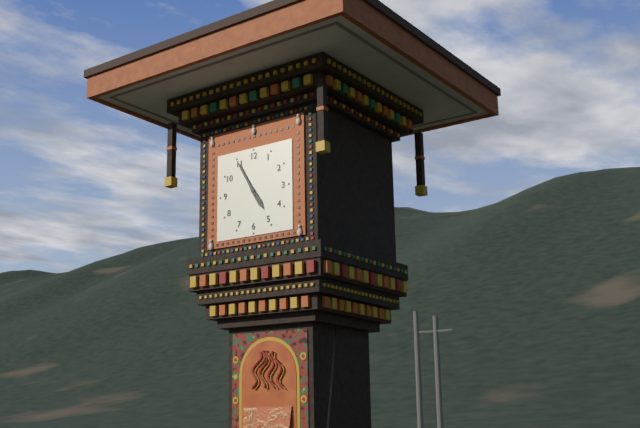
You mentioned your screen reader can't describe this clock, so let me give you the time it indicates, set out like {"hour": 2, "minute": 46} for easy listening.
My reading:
{"hour": 4, "minute": 55}
